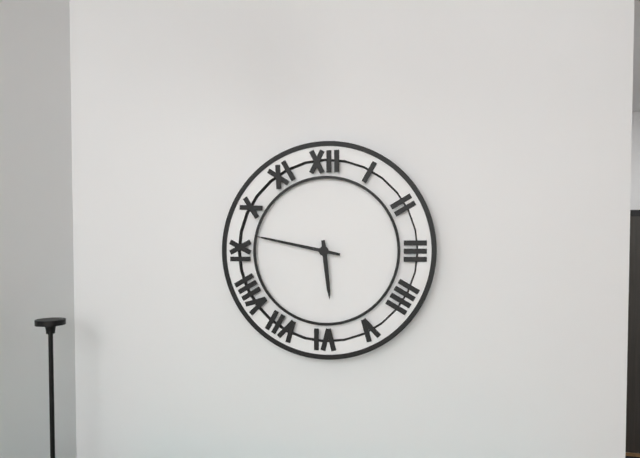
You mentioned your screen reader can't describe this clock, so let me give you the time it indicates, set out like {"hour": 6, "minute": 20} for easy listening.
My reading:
{"hour": 5, "minute": 47}
